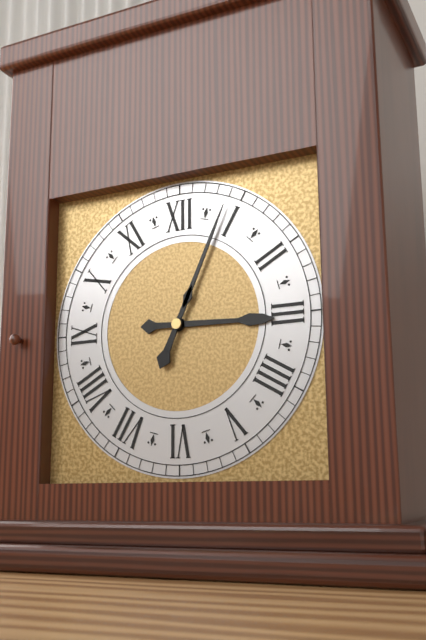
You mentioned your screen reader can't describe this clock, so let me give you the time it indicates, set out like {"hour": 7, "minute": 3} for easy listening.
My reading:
{"hour": 3, "minute": 4}
